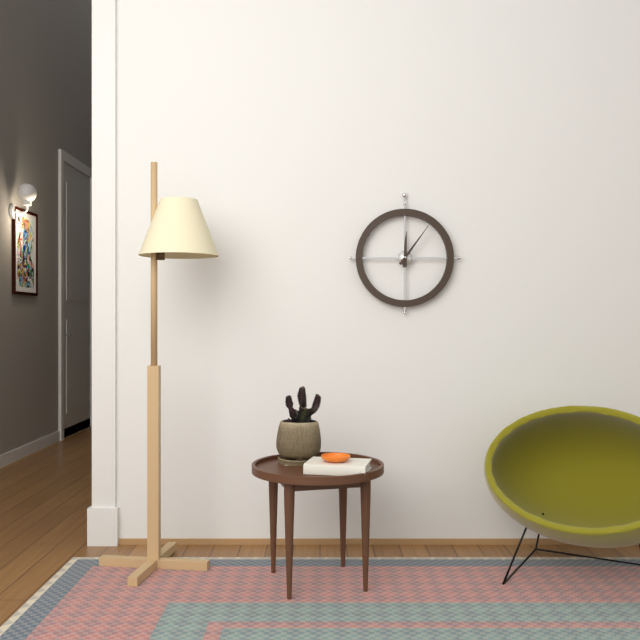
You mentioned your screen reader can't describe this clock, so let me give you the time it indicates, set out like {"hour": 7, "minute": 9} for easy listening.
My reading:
{"hour": 12, "minute": 6}
